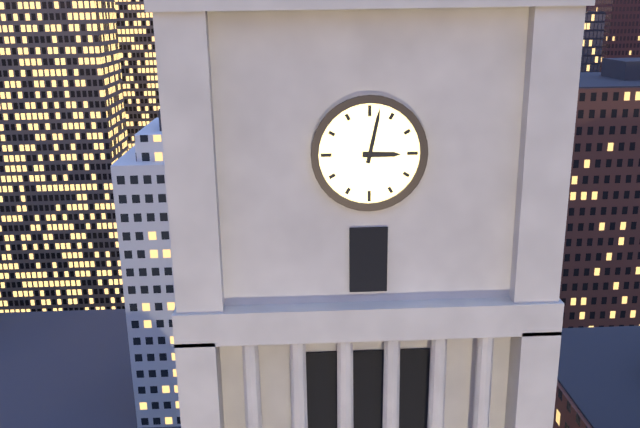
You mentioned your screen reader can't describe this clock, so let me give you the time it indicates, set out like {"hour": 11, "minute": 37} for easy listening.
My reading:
{"hour": 3, "minute": 2}
